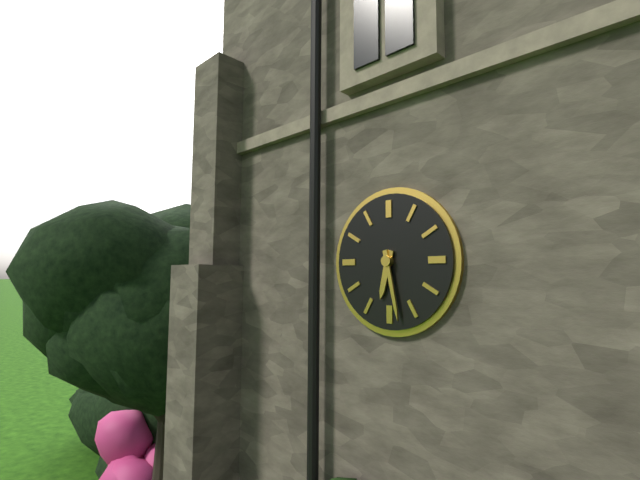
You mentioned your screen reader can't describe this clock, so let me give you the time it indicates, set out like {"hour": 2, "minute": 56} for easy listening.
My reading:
{"hour": 6, "minute": 28}
